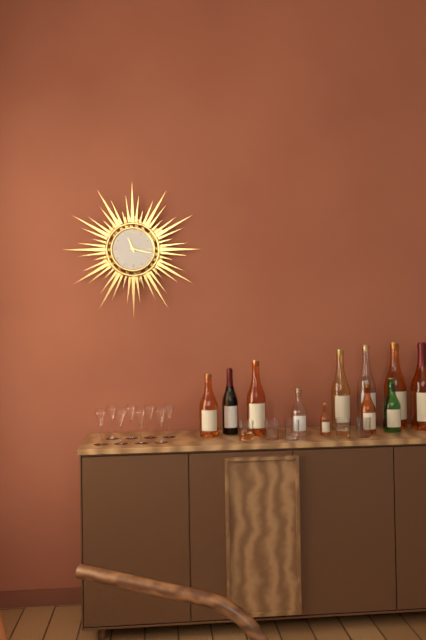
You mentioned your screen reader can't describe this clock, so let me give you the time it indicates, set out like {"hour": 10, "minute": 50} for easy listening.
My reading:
{"hour": 11, "minute": 17}
